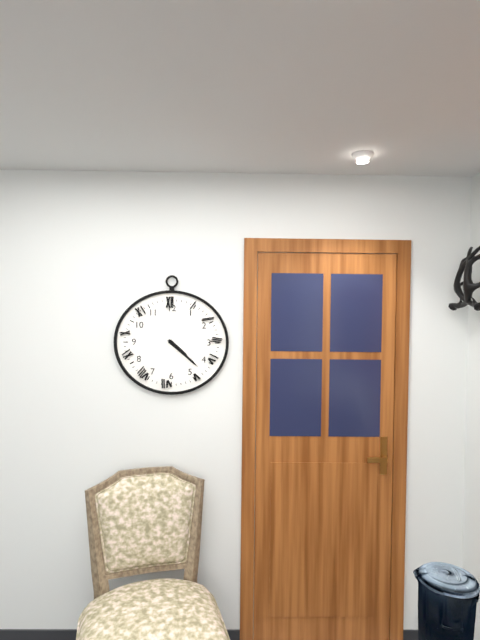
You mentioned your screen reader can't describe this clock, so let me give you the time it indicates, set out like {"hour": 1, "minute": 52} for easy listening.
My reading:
{"hour": 4, "minute": 22}
